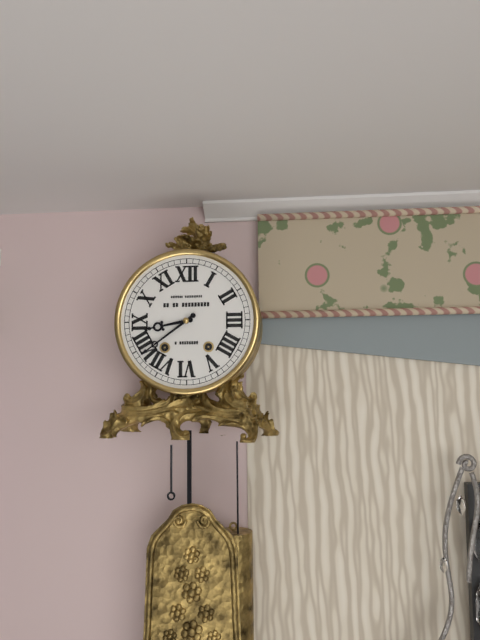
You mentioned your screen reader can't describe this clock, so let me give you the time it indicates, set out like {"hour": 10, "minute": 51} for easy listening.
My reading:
{"hour": 8, "minute": 39}
